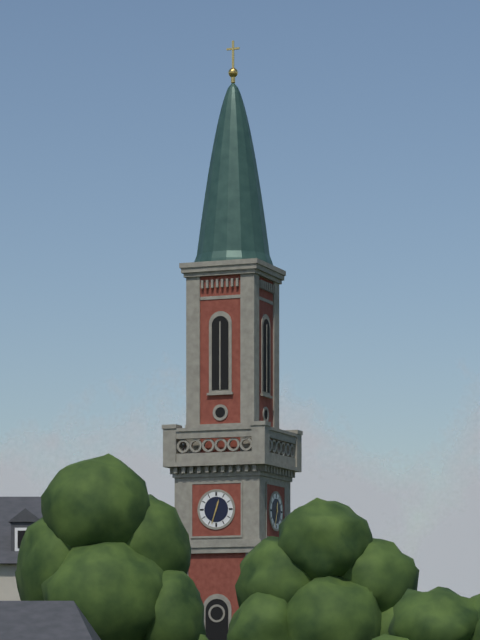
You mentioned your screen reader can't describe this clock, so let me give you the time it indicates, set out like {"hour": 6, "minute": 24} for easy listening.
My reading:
{"hour": 12, "minute": 33}
